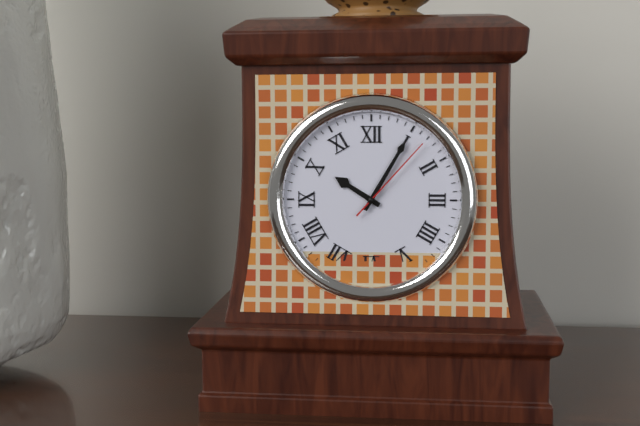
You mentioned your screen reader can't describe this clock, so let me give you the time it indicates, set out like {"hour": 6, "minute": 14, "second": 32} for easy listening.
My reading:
{"hour": 10, "minute": 5, "second": 7}
